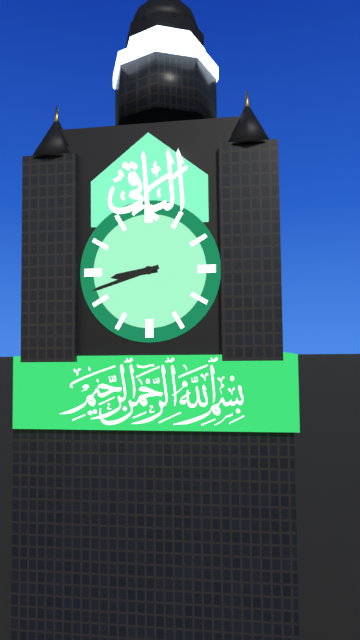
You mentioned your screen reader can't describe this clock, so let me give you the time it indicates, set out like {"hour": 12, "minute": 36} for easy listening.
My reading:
{"hour": 8, "minute": 42}
